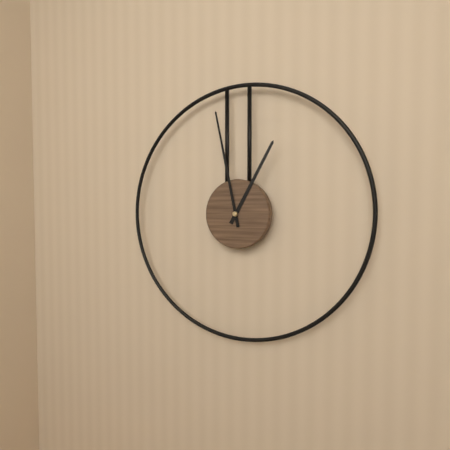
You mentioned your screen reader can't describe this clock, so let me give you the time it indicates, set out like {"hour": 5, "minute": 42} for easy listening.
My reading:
{"hour": 12, "minute": 58}
